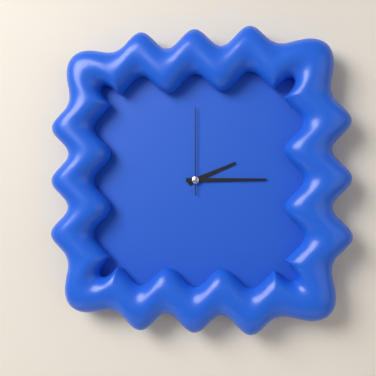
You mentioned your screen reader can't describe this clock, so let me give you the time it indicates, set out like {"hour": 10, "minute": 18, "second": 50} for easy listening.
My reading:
{"hour": 2, "minute": 15, "second": 0}
